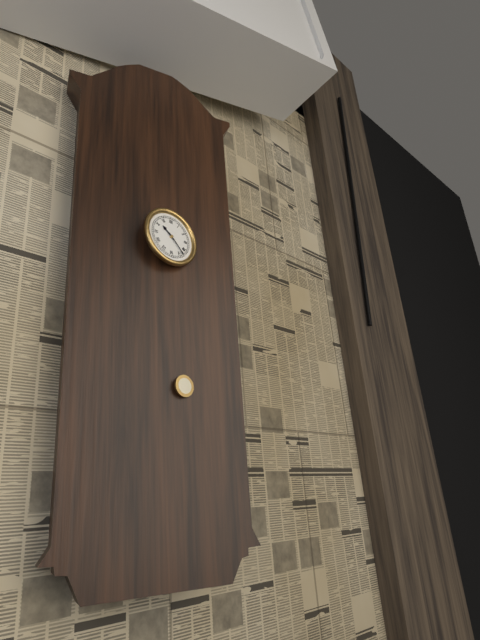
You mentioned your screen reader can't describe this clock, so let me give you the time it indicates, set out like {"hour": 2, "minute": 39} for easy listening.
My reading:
{"hour": 10, "minute": 23}
